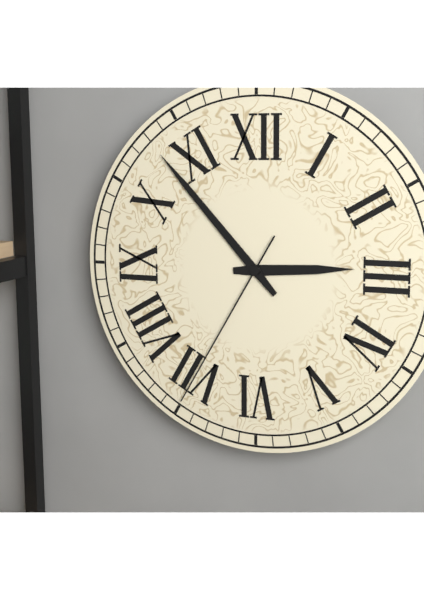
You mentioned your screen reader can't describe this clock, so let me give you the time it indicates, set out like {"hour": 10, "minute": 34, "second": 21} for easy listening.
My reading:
{"hour": 2, "minute": 53, "second": 35}
